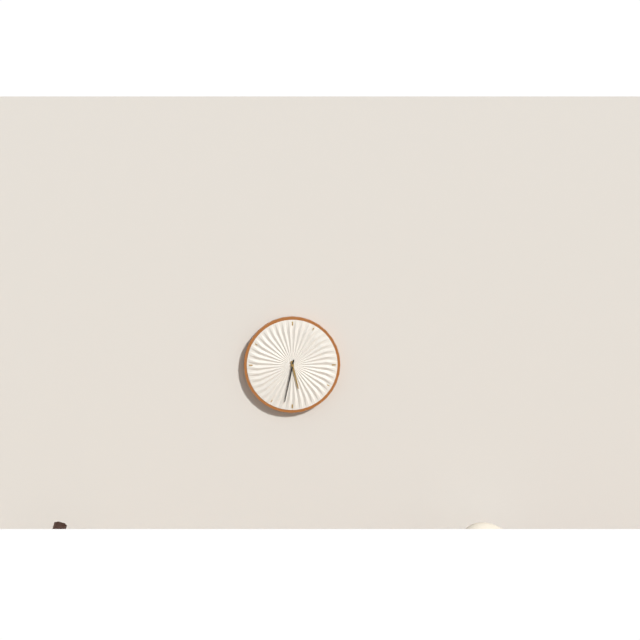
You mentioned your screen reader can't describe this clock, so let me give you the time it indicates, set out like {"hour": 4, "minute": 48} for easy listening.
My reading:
{"hour": 5, "minute": 32}
